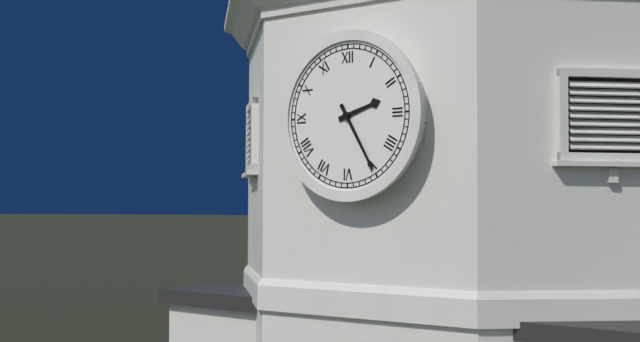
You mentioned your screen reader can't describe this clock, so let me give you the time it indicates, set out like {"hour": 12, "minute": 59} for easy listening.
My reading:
{"hour": 2, "minute": 25}
